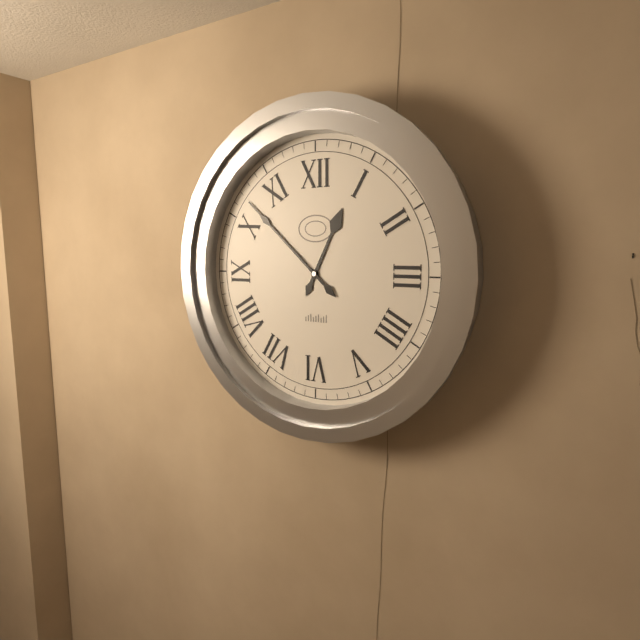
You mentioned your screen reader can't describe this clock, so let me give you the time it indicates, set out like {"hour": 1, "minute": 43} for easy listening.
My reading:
{"hour": 12, "minute": 52}
